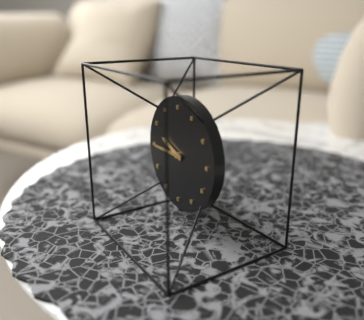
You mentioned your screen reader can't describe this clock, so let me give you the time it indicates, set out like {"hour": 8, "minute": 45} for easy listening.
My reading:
{"hour": 9, "minute": 45}
